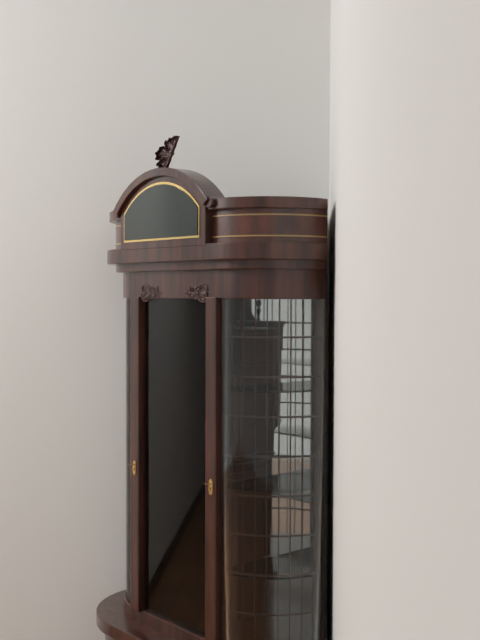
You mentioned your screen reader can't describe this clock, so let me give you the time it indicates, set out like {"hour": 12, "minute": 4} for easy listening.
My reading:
{"hour": 10, "minute": 42}
